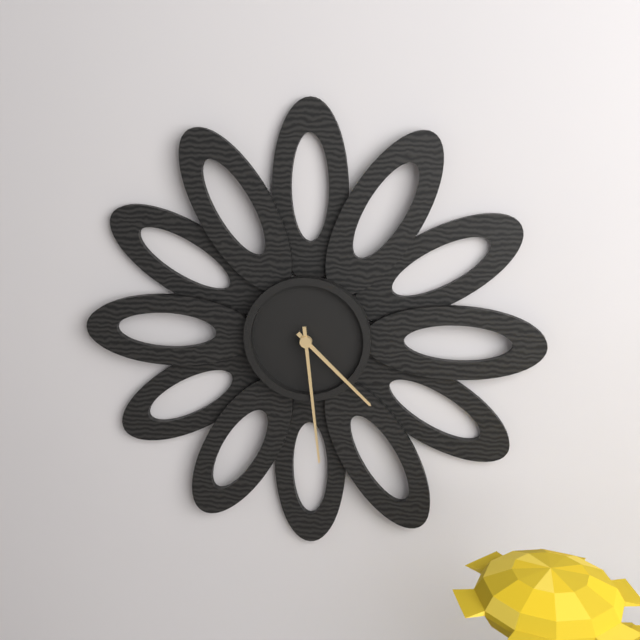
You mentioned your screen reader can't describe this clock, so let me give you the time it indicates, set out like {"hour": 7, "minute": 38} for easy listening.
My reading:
{"hour": 4, "minute": 29}
